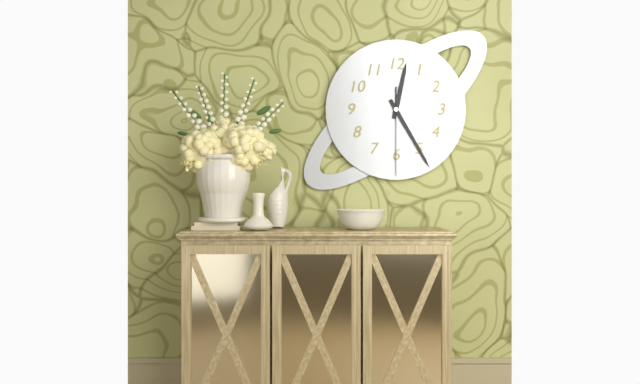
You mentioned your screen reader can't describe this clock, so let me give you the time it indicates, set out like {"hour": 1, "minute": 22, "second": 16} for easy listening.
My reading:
{"hour": 12, "minute": 25, "second": 30}
